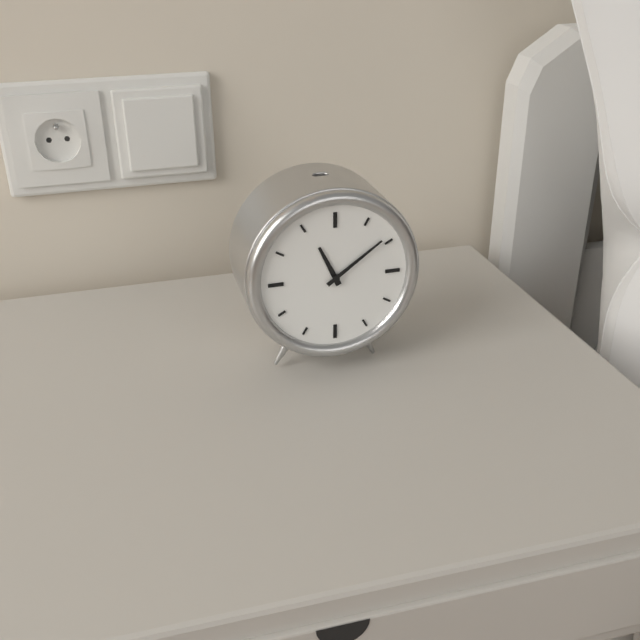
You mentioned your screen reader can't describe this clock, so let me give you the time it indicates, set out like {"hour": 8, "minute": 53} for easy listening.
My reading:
{"hour": 11, "minute": 9}
